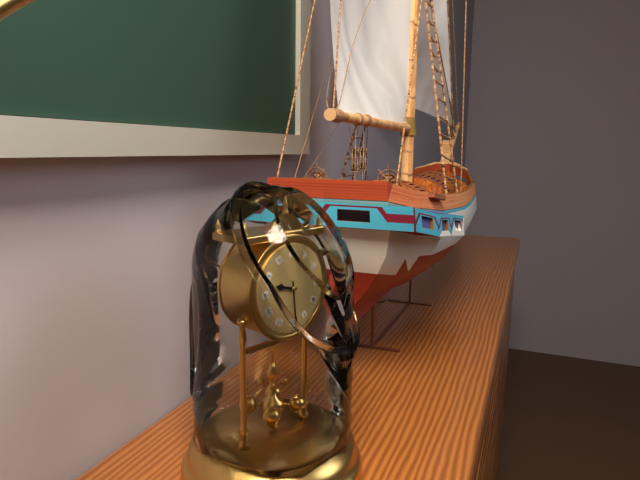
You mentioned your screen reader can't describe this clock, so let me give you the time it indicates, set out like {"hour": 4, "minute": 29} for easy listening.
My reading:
{"hour": 9, "minute": 29}
